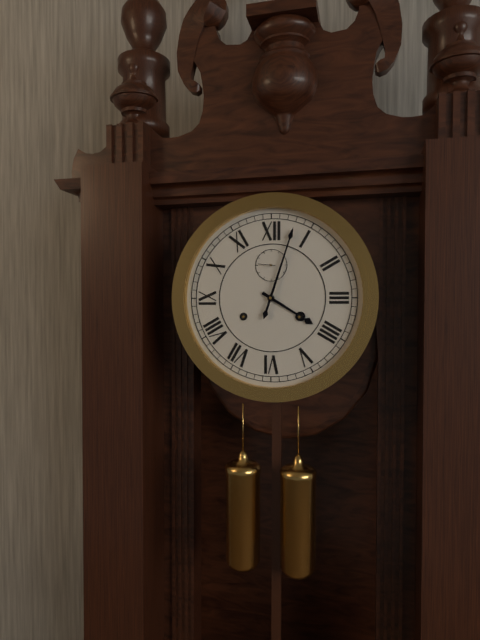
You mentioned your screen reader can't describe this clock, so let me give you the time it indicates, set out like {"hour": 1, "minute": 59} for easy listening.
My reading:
{"hour": 4, "minute": 3}
